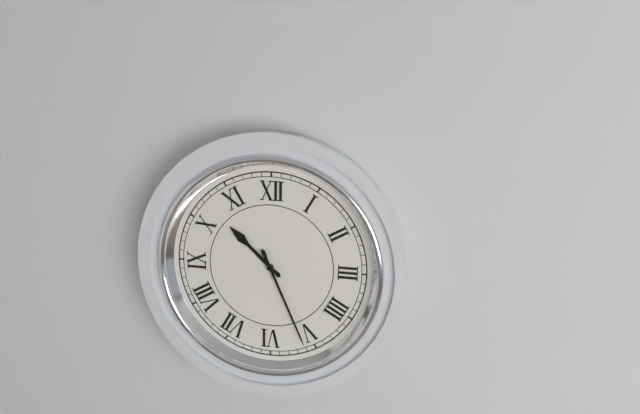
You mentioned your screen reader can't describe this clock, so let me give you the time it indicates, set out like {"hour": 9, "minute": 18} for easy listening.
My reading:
{"hour": 10, "minute": 26}
